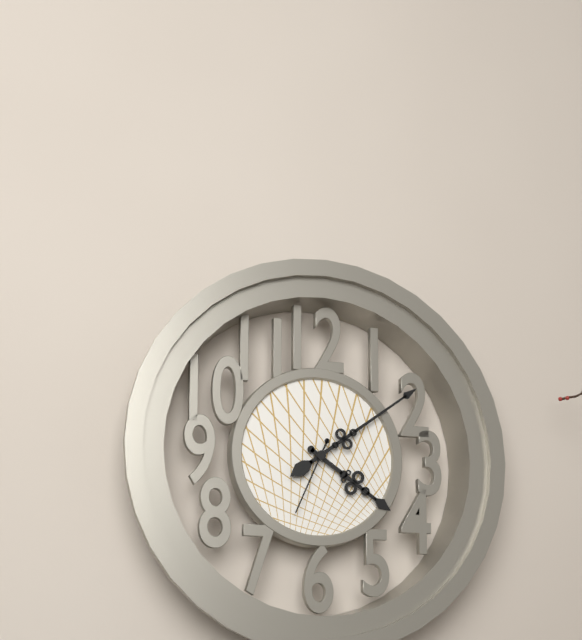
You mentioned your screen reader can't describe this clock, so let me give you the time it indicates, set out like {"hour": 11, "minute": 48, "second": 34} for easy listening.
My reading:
{"hour": 4, "minute": 9, "second": 34}
